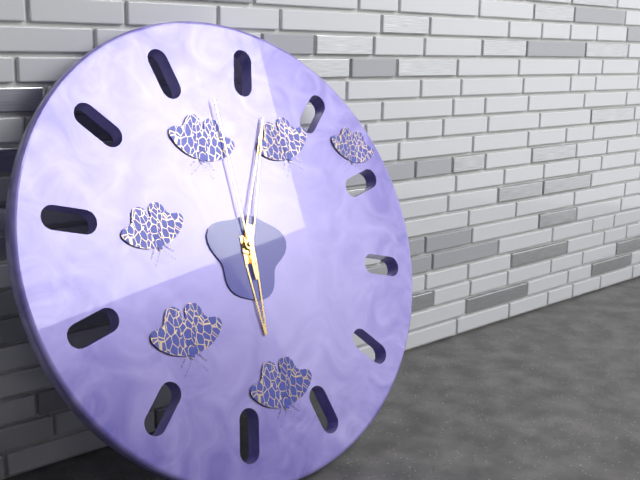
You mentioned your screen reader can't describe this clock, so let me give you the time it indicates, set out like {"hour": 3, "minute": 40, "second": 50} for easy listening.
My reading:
{"hour": 6, "minute": 4, "second": 0}
